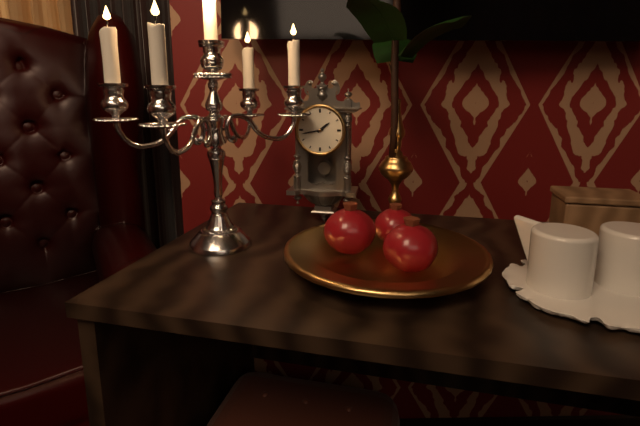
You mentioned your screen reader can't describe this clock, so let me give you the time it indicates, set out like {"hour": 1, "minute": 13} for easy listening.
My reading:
{"hour": 1, "minute": 43}
